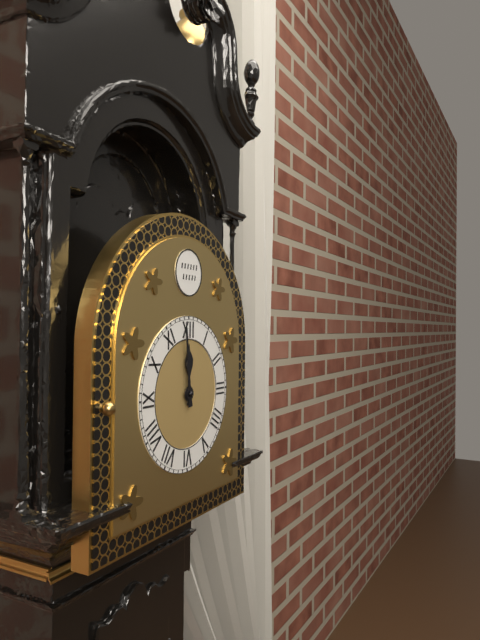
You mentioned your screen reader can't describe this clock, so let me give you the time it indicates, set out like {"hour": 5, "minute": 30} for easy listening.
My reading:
{"hour": 11, "minute": 59}
